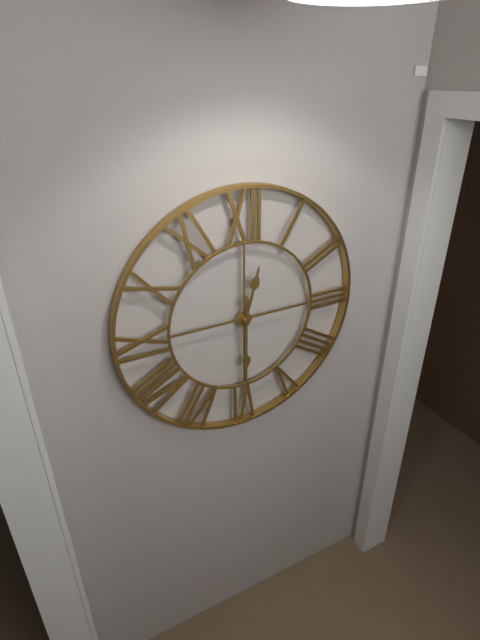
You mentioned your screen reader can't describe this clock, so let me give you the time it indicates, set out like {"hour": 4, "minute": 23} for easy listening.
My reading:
{"hour": 12, "minute": 30}
